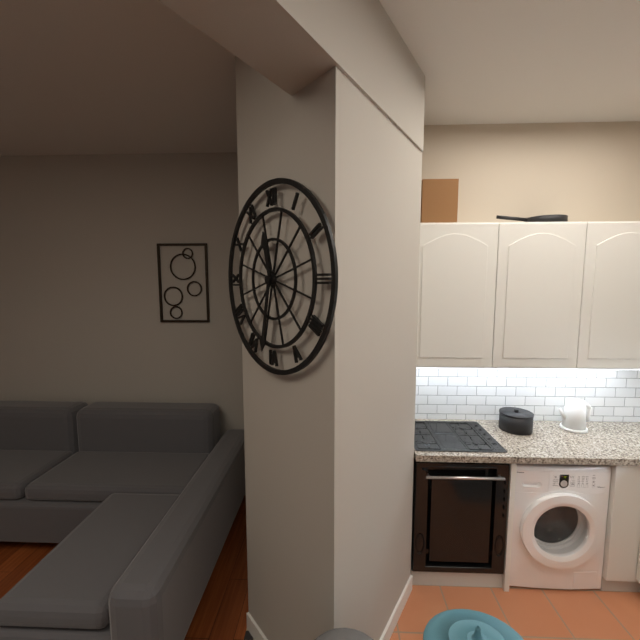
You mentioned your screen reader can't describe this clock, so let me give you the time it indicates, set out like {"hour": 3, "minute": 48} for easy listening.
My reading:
{"hour": 11, "minute": 32}
